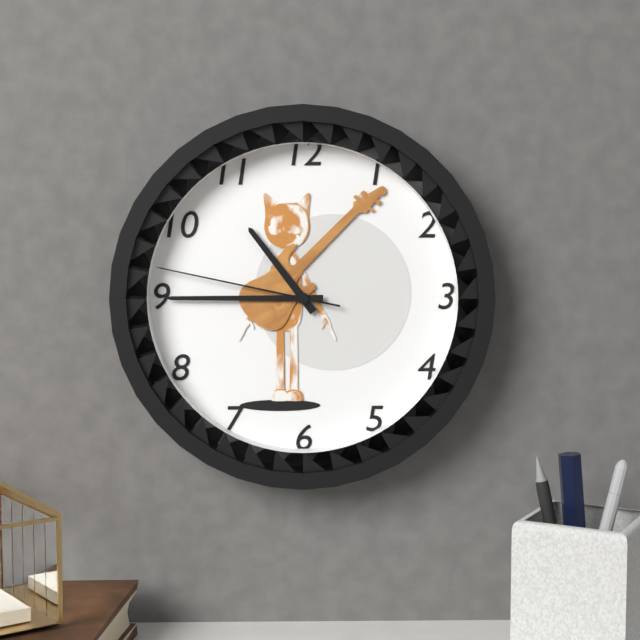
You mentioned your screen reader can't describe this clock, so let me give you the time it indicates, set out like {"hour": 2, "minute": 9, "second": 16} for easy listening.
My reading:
{"hour": 10, "minute": 45, "second": 47}
